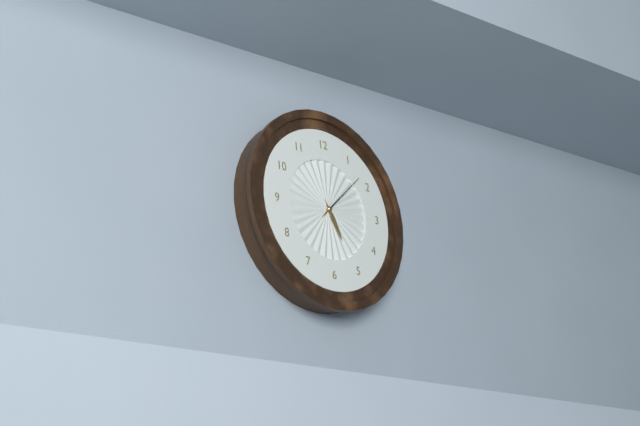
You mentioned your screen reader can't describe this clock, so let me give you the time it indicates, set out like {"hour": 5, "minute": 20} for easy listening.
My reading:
{"hour": 5, "minute": 8}
